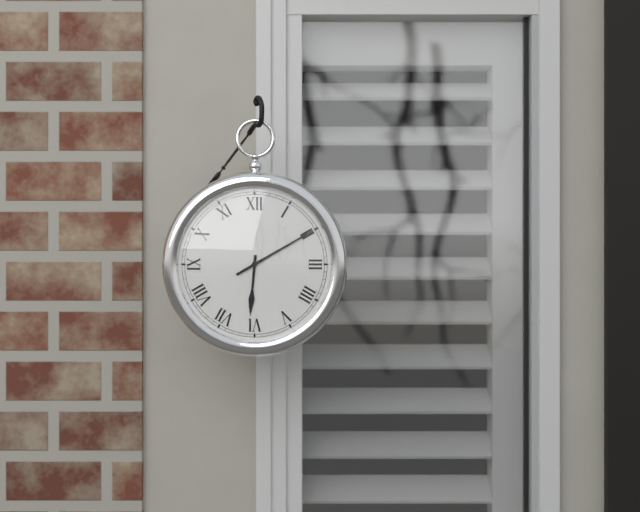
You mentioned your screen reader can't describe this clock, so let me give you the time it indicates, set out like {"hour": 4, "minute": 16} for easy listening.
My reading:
{"hour": 6, "minute": 10}
